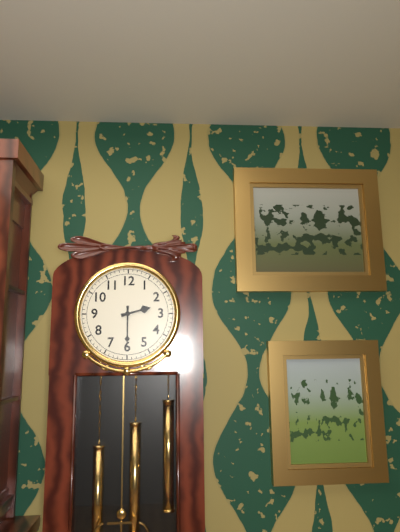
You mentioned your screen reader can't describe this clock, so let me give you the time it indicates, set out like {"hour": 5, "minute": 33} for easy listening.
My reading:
{"hour": 2, "minute": 30}
